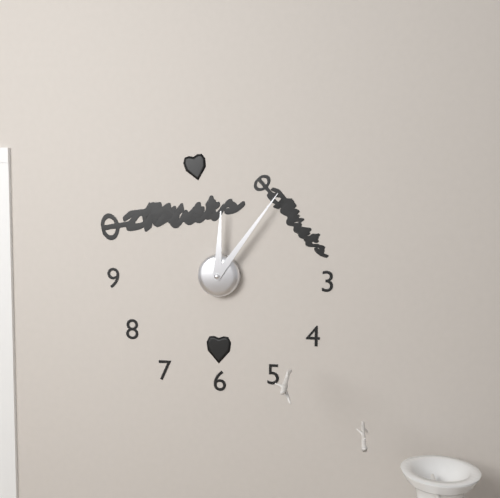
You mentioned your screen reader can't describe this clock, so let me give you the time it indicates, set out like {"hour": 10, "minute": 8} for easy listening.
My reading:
{"hour": 12, "minute": 6}
